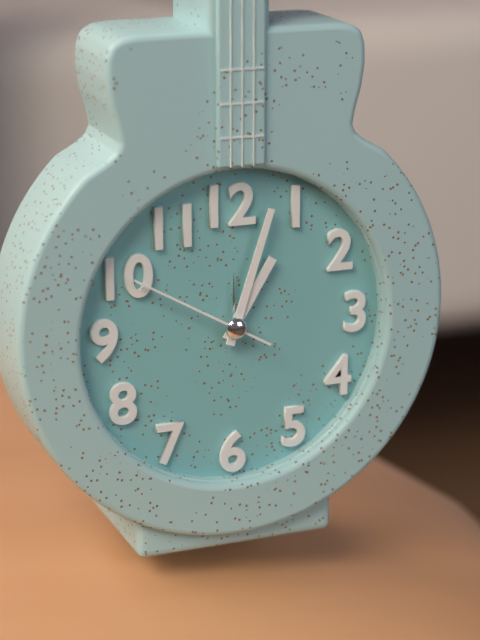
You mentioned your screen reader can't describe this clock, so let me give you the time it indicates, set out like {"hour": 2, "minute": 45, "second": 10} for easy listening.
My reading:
{"hour": 1, "minute": 3, "second": 50}
